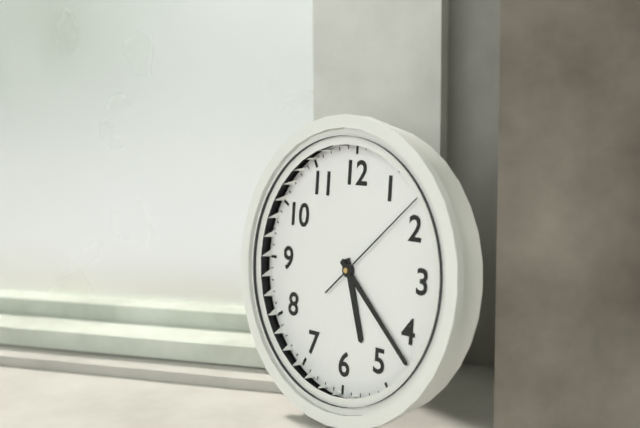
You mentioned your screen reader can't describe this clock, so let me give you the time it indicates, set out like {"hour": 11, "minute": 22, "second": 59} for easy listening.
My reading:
{"hour": 5, "minute": 22, "second": 8}
